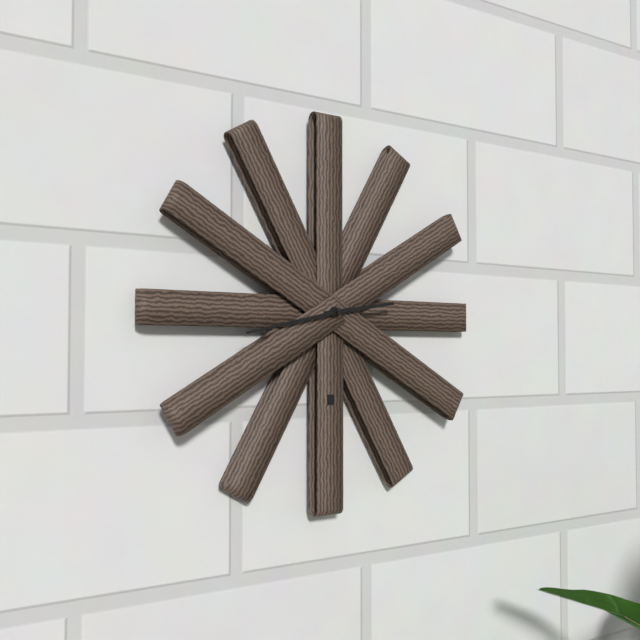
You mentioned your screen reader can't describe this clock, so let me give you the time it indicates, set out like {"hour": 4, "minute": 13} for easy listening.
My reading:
{"hour": 2, "minute": 43}
